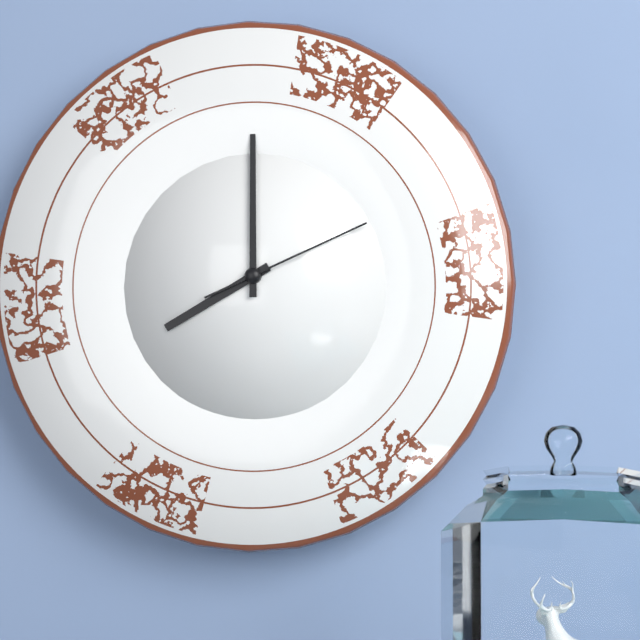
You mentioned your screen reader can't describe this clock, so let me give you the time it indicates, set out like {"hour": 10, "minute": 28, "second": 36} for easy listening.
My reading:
{"hour": 8, "minute": 0, "second": 11}
